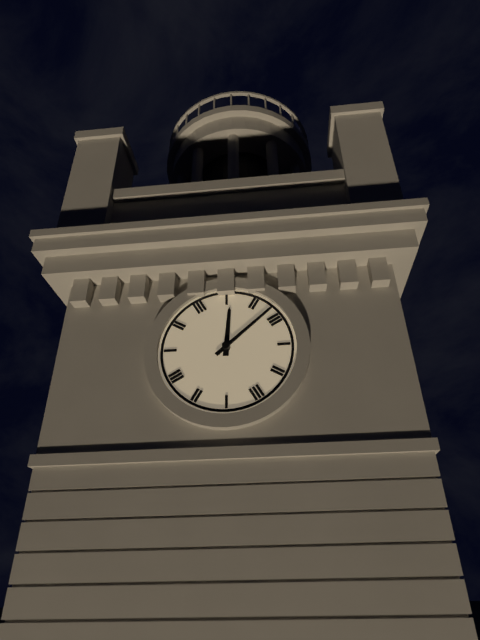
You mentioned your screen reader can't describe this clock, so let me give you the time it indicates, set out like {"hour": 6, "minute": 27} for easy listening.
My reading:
{"hour": 12, "minute": 8}
